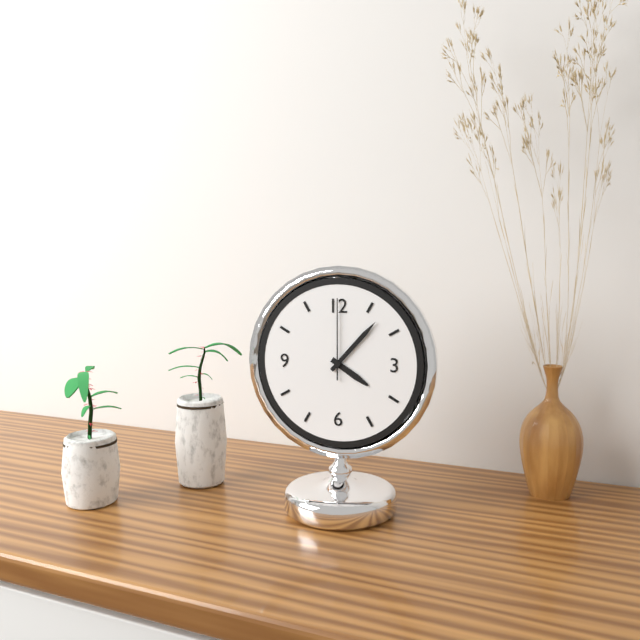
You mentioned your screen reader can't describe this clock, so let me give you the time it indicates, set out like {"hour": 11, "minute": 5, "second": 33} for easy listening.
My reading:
{"hour": 4, "minute": 7, "second": 0}
